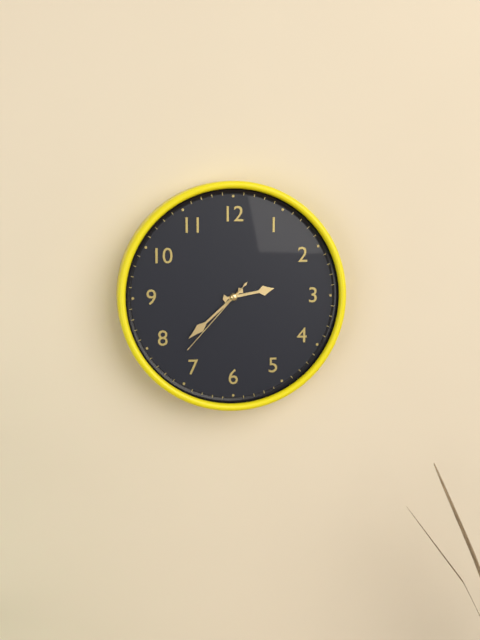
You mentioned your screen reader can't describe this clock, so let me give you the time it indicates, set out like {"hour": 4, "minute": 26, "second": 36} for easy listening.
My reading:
{"hour": 2, "minute": 38, "second": 37}
